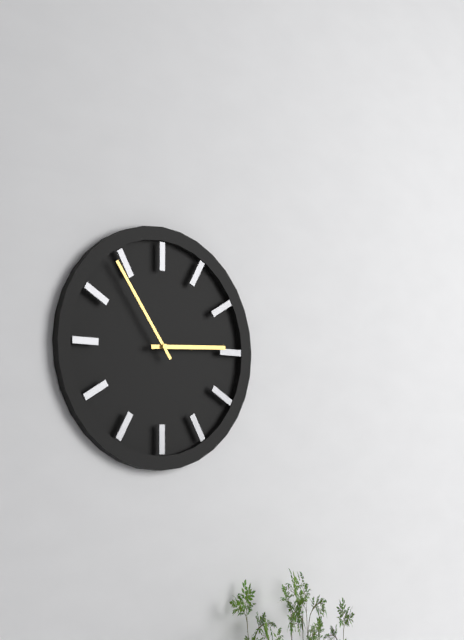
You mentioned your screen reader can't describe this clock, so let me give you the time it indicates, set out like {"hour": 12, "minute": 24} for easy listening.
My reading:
{"hour": 2, "minute": 54}
